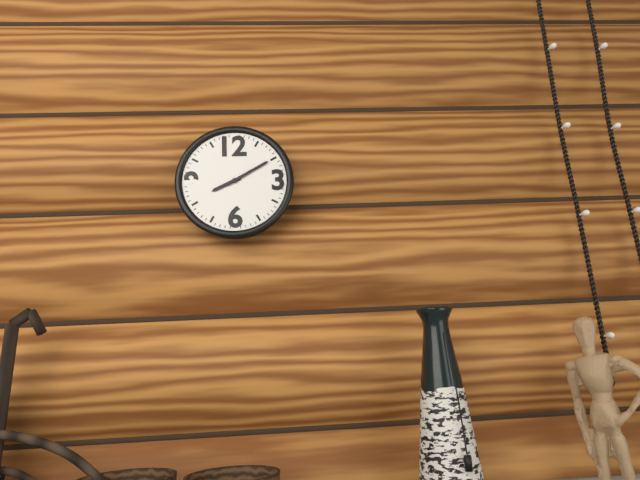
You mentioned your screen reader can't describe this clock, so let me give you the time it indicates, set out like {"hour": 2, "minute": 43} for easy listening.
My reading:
{"hour": 8, "minute": 10}
